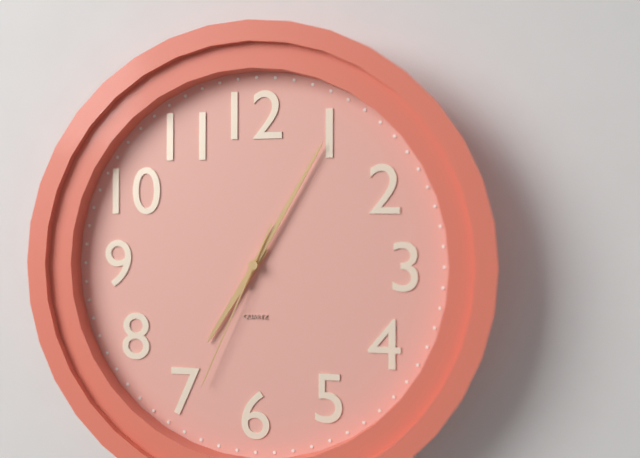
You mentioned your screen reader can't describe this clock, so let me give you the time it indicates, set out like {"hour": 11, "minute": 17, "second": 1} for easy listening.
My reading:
{"hour": 7, "minute": 5, "second": 34}
